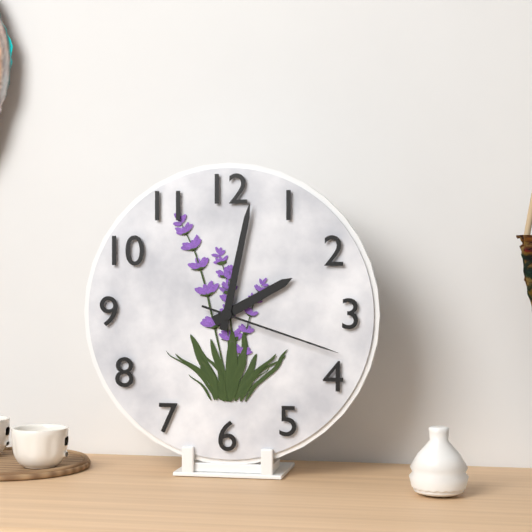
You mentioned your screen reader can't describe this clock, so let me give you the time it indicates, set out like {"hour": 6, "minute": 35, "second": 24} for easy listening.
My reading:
{"hour": 2, "minute": 2, "second": 18}
